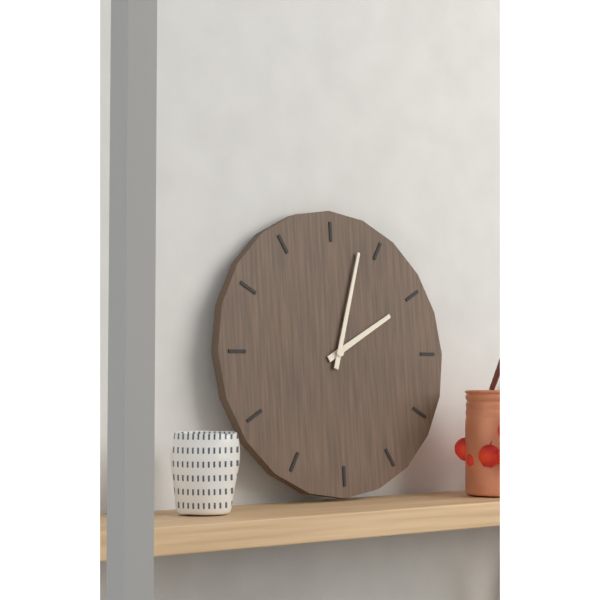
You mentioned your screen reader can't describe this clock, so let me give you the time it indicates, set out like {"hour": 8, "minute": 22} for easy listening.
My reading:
{"hour": 2, "minute": 3}
